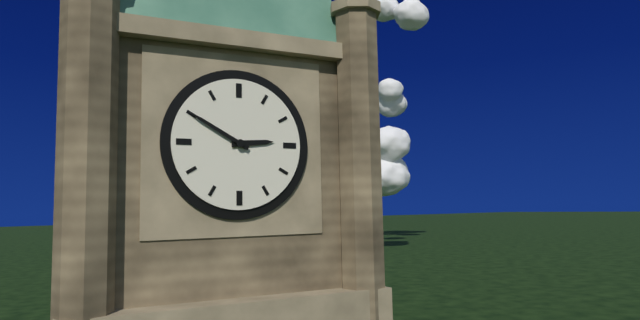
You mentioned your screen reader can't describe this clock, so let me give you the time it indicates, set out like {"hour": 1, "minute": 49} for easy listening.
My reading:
{"hour": 2, "minute": 50}
